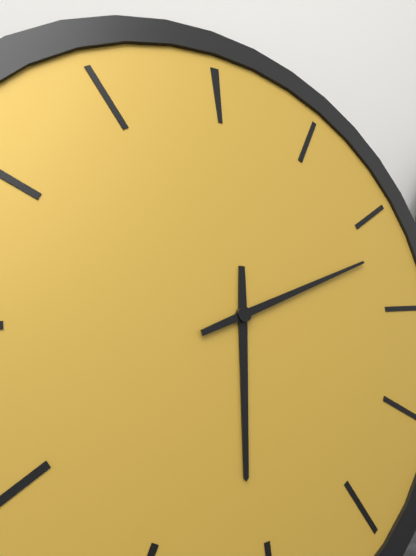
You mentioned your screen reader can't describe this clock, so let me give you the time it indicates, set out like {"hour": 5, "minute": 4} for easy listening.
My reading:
{"hour": 6, "minute": 12}
